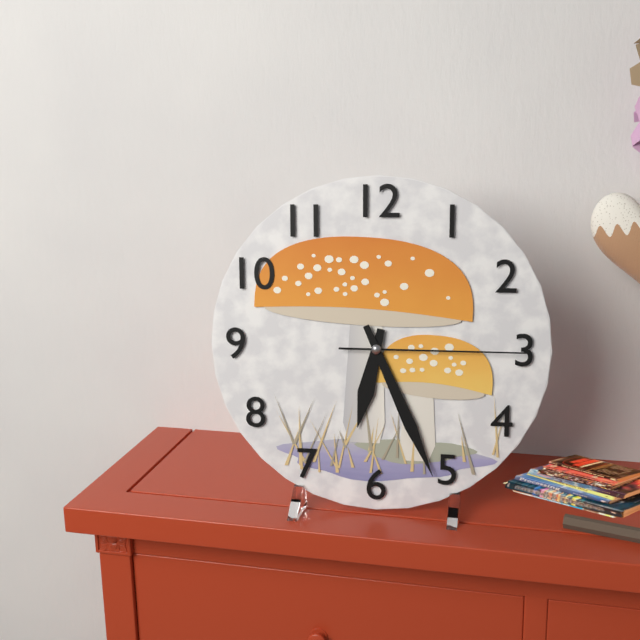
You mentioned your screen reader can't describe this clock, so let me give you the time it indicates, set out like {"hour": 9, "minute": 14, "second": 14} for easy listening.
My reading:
{"hour": 6, "minute": 26, "second": 15}
